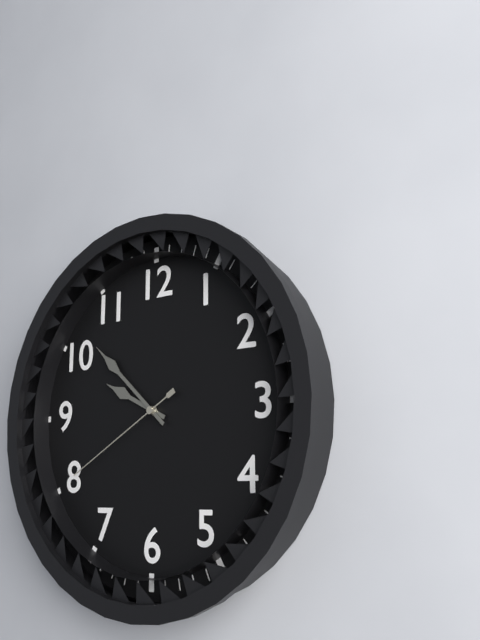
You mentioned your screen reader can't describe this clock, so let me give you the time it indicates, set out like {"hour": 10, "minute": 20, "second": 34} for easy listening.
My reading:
{"hour": 9, "minute": 52, "second": 40}
